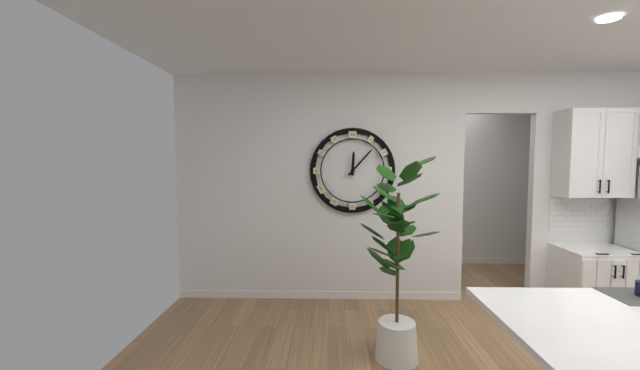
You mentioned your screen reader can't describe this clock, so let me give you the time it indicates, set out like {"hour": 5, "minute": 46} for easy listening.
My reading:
{"hour": 12, "minute": 7}
